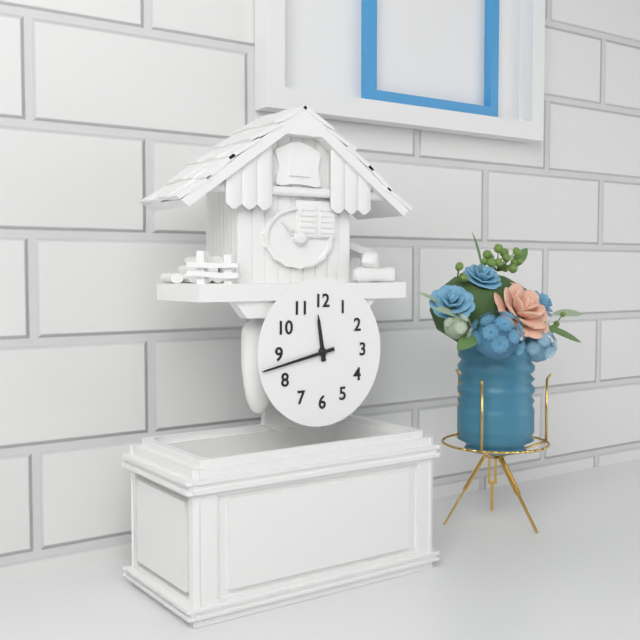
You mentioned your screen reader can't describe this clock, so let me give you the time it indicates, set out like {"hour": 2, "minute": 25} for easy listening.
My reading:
{"hour": 11, "minute": 43}
